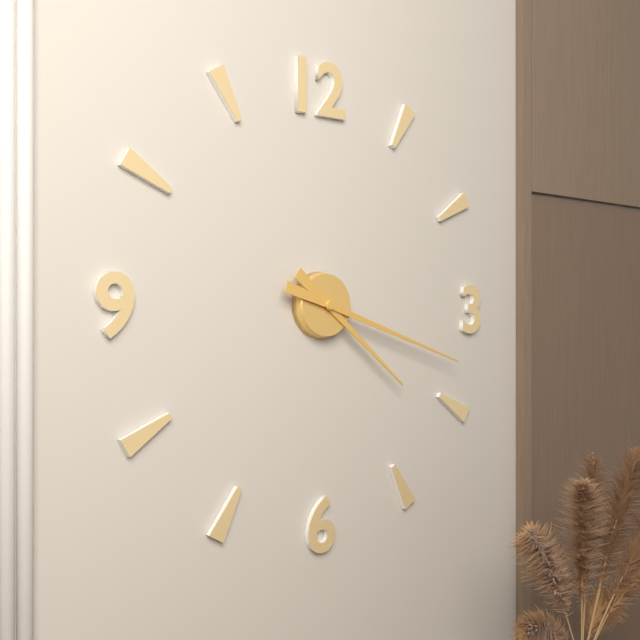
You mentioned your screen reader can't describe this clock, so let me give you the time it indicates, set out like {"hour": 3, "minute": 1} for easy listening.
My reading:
{"hour": 4, "minute": 18}
